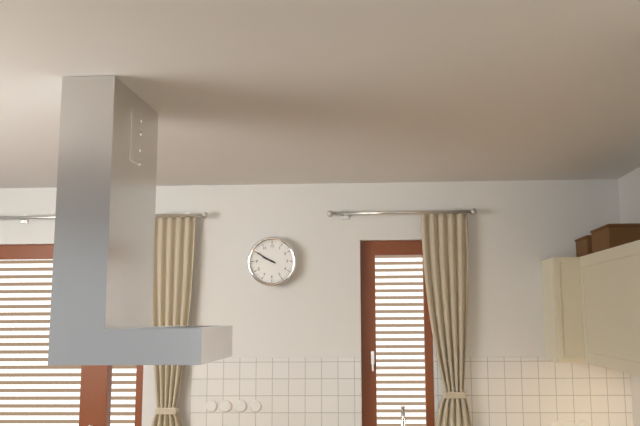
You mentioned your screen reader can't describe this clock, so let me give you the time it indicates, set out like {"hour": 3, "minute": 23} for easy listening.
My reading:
{"hour": 9, "minute": 50}
